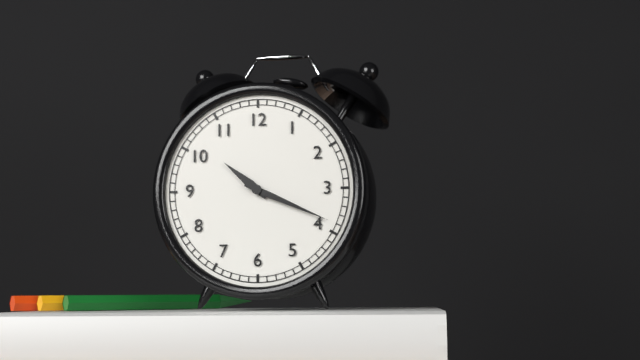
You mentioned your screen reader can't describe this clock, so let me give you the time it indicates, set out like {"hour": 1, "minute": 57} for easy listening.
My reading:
{"hour": 10, "minute": 19}
